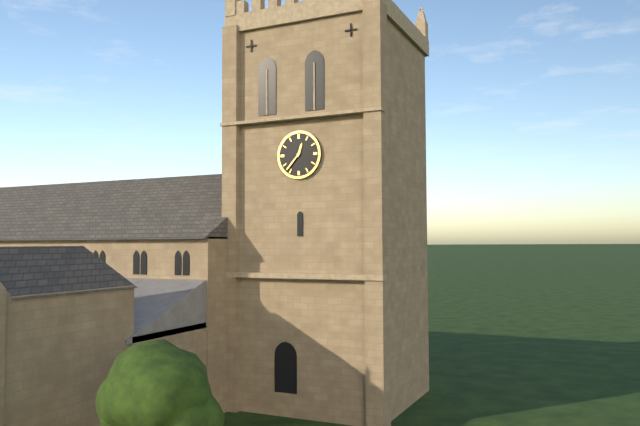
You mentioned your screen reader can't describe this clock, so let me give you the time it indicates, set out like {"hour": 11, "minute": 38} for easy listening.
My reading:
{"hour": 12, "minute": 37}
